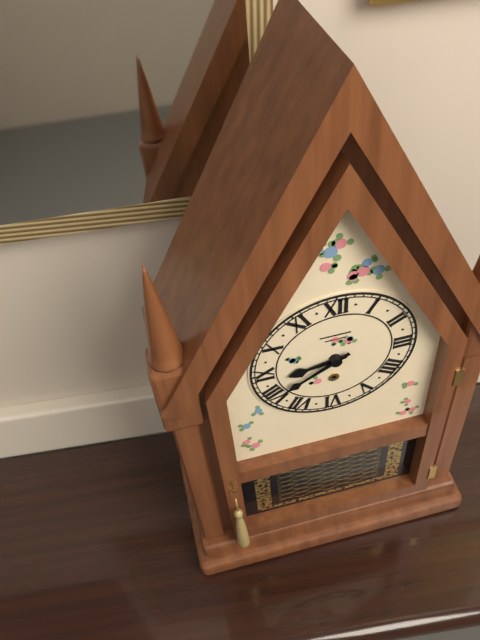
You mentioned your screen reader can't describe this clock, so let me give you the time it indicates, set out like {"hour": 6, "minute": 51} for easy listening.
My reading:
{"hour": 8, "minute": 40}
